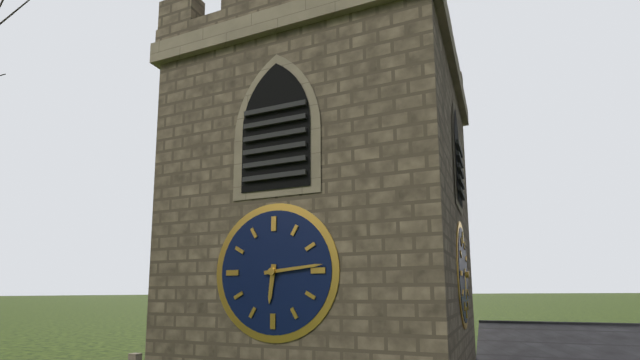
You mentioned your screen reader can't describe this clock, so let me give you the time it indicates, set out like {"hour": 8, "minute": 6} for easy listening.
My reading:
{"hour": 6, "minute": 14}
